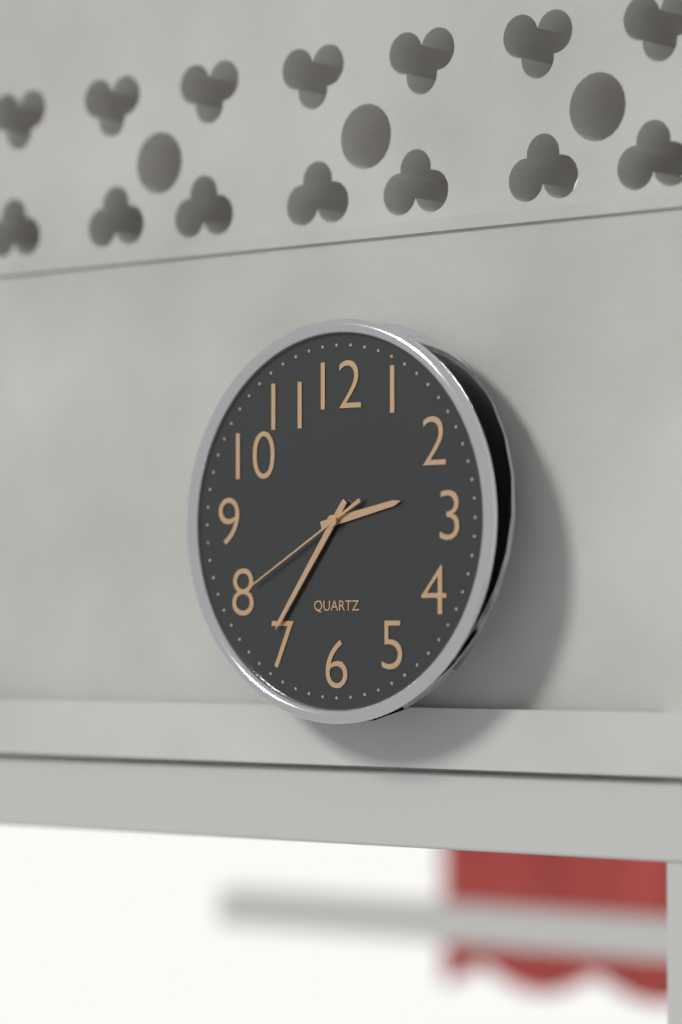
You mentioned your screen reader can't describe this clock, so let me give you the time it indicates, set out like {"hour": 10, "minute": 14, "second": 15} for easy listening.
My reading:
{"hour": 2, "minute": 36, "second": 40}
